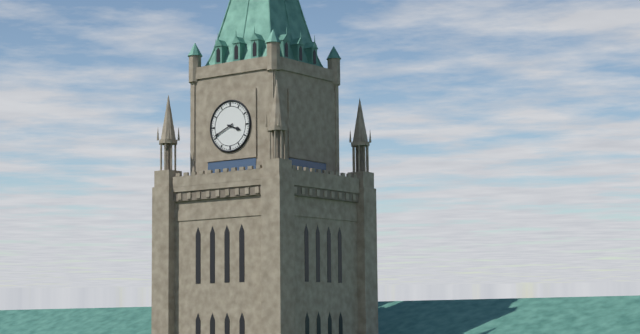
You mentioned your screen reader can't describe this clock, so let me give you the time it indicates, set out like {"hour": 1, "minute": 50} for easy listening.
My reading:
{"hour": 3, "minute": 41}
